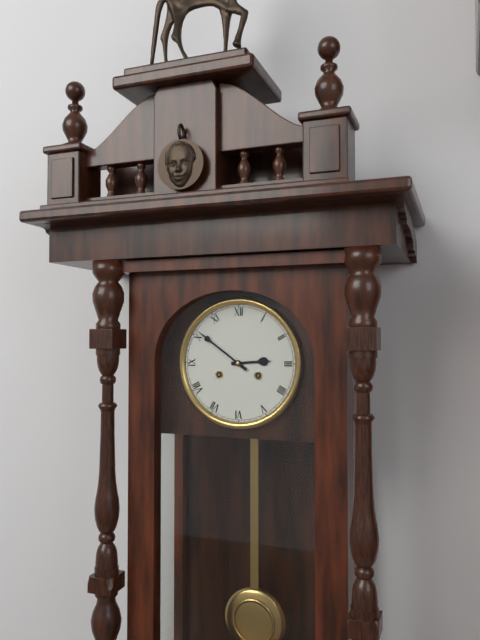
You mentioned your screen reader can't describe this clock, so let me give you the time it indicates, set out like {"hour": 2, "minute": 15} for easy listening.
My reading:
{"hour": 2, "minute": 51}
